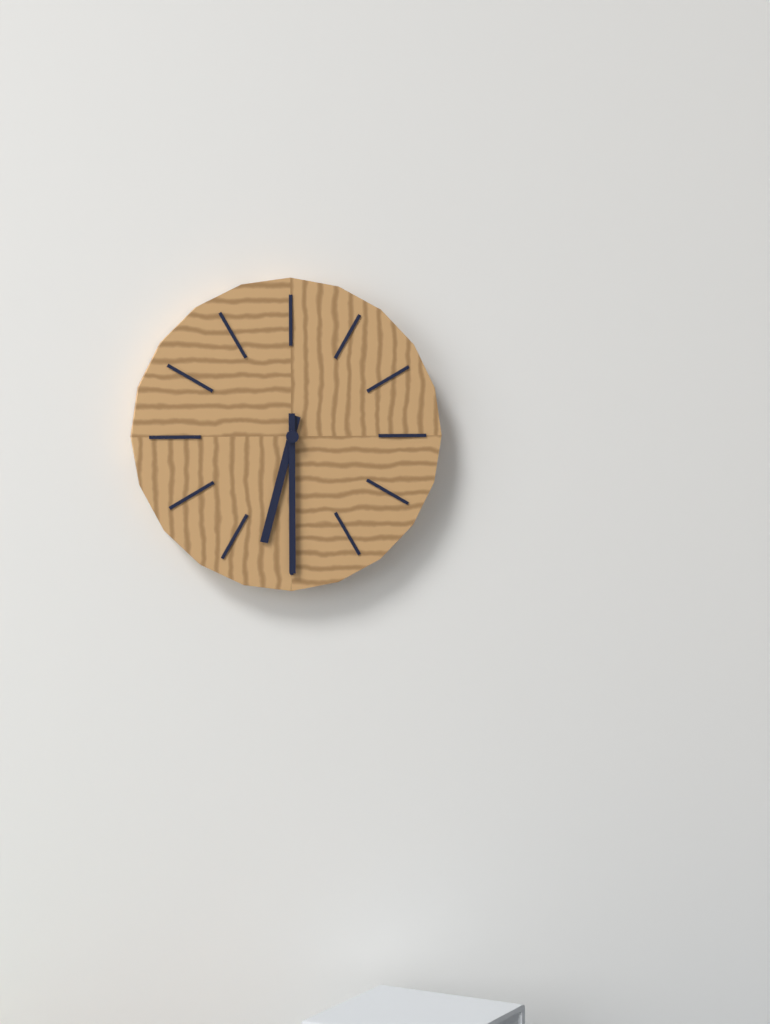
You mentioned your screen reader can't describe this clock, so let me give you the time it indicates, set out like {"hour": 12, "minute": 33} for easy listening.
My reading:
{"hour": 6, "minute": 30}
